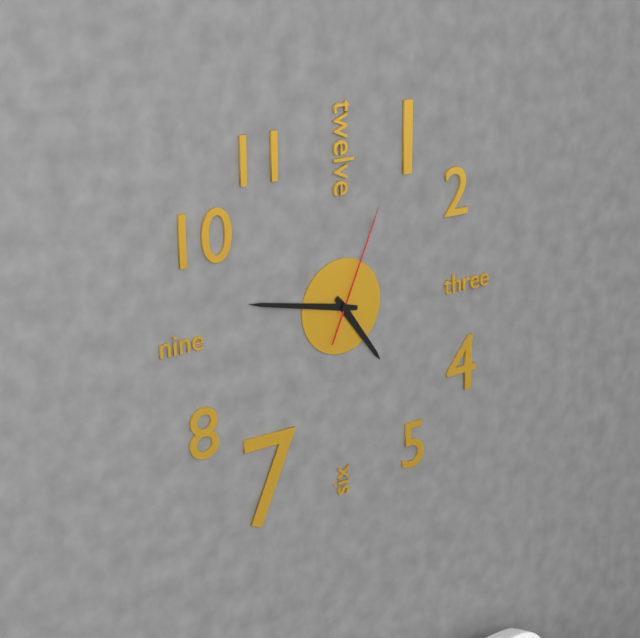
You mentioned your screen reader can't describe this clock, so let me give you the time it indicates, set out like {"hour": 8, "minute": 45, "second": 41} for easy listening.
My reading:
{"hour": 4, "minute": 47, "second": 4}
